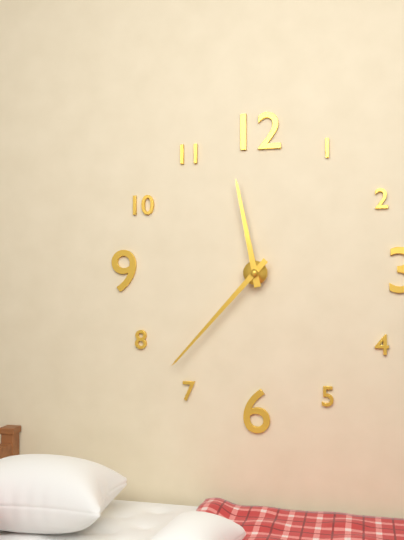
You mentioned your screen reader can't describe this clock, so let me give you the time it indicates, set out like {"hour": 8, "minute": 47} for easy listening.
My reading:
{"hour": 11, "minute": 37}
